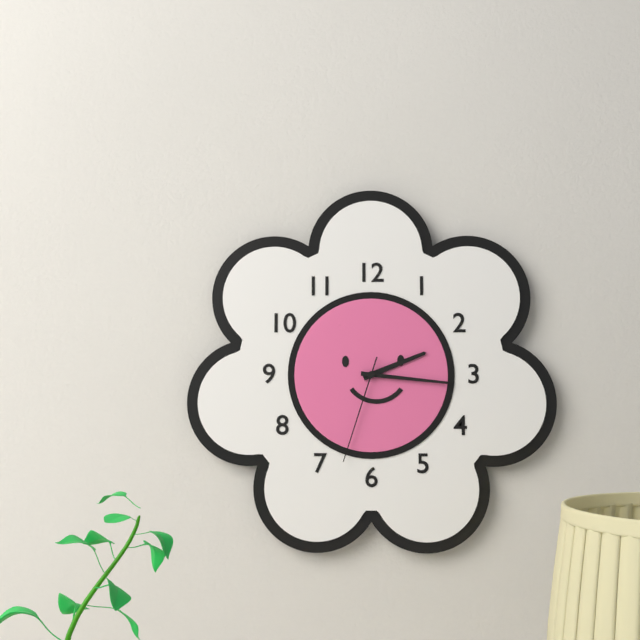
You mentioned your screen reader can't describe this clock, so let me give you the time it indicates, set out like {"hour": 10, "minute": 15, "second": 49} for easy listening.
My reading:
{"hour": 2, "minute": 16, "second": 33}
